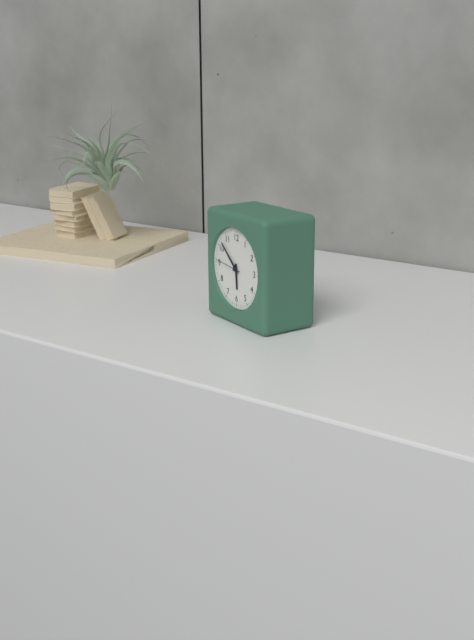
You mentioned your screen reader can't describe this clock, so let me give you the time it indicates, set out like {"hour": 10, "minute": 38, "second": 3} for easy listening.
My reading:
{"hour": 5, "minute": 52, "second": 46}
